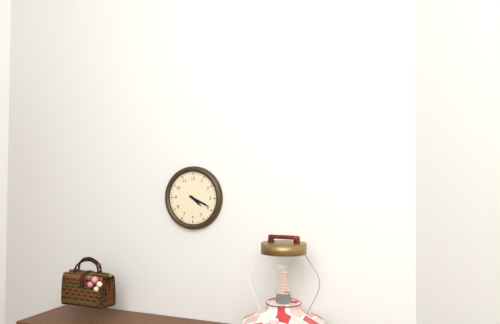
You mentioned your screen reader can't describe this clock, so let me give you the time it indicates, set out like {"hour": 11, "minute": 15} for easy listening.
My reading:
{"hour": 4, "minute": 19}
